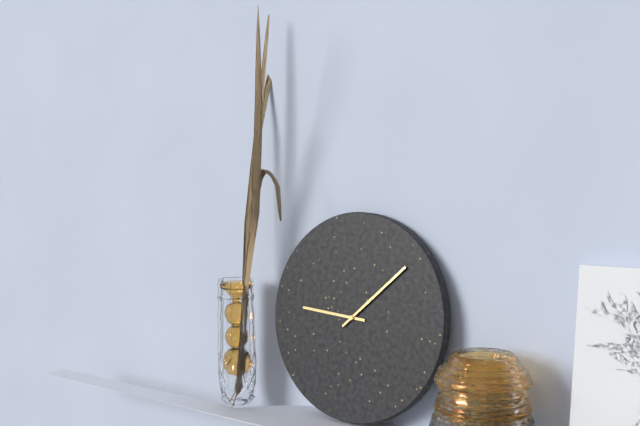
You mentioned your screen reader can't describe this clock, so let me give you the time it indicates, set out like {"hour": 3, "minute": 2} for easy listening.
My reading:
{"hour": 9, "minute": 8}
